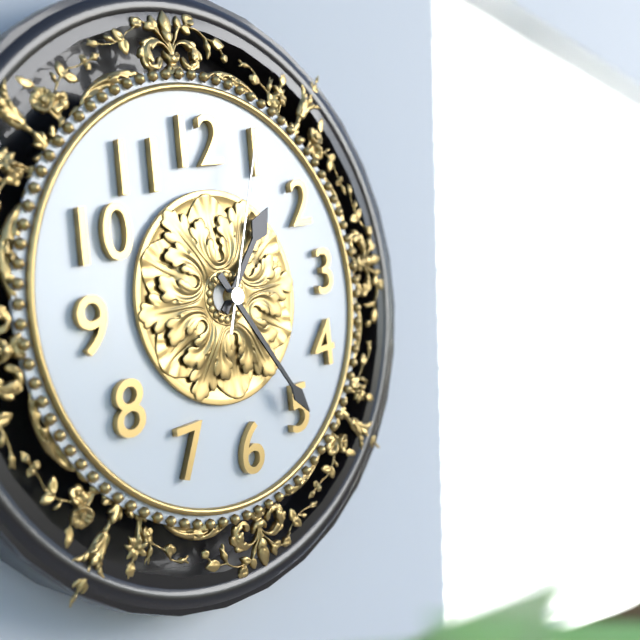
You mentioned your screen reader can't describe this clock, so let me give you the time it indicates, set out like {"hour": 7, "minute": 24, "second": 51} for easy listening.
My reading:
{"hour": 1, "minute": 25, "second": 4}
